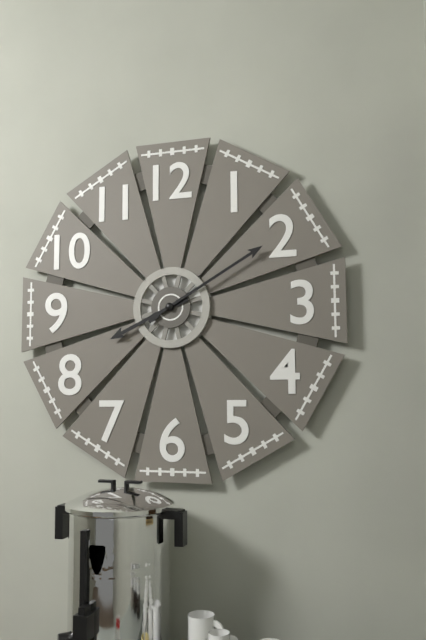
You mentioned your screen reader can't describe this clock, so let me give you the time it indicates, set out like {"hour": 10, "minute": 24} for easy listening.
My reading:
{"hour": 8, "minute": 10}
